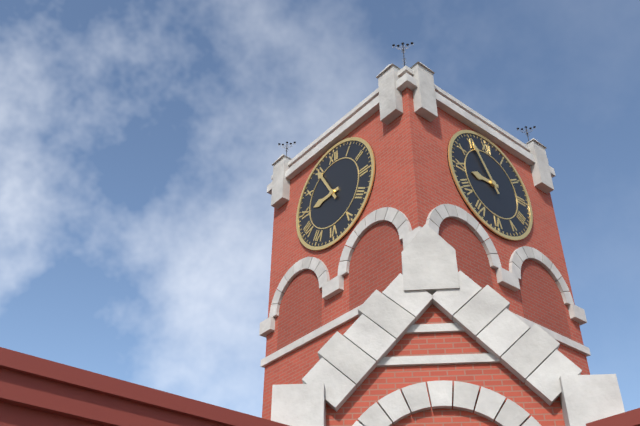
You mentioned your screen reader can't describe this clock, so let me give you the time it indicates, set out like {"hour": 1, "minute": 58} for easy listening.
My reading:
{"hour": 8, "minute": 55}
